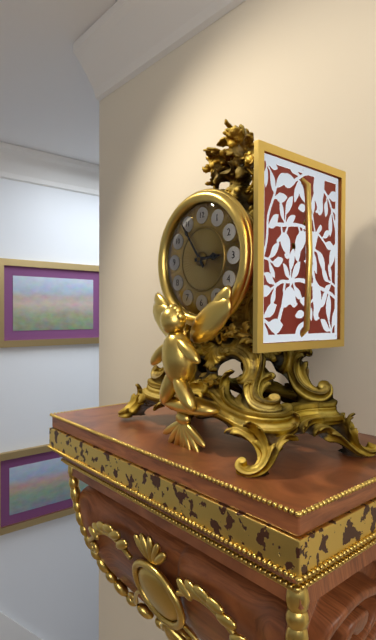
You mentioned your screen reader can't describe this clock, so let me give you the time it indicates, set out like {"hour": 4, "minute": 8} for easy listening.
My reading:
{"hour": 2, "minute": 54}
